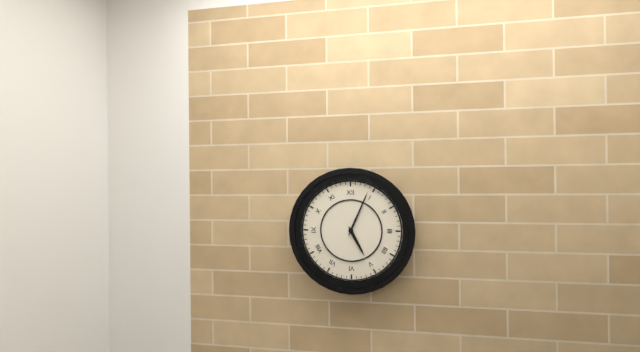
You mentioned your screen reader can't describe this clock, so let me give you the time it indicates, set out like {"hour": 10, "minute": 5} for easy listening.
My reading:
{"hour": 5, "minute": 4}
